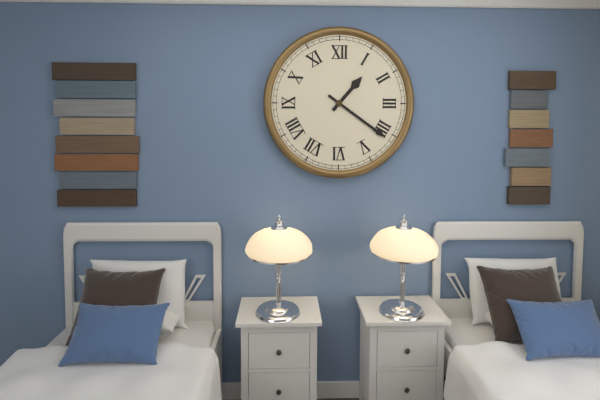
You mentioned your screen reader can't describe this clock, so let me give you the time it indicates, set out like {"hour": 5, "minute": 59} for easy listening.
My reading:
{"hour": 1, "minute": 21}
